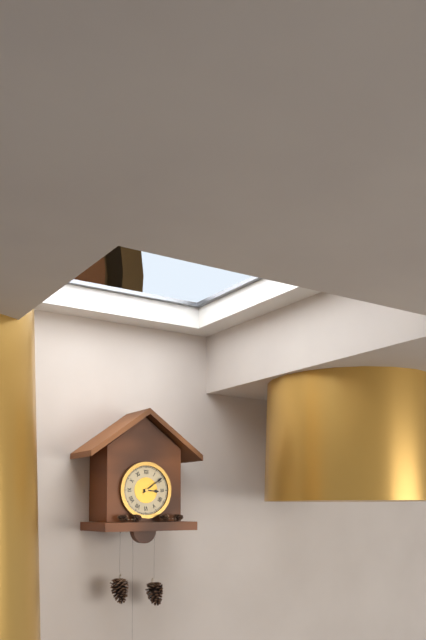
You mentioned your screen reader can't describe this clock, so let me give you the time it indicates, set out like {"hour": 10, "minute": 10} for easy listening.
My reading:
{"hour": 3, "minute": 9}
